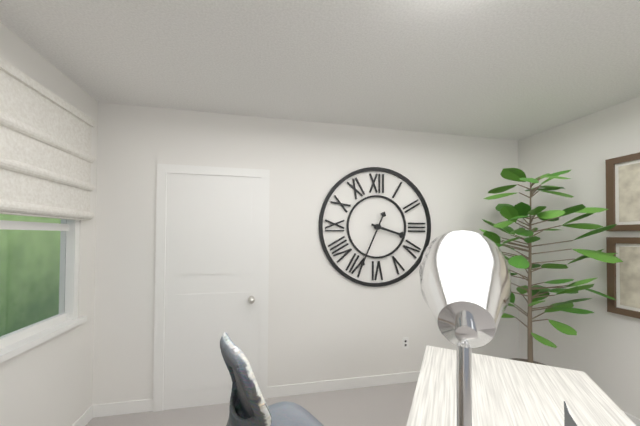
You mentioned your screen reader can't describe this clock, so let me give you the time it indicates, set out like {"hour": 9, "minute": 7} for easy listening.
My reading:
{"hour": 3, "minute": 34}
